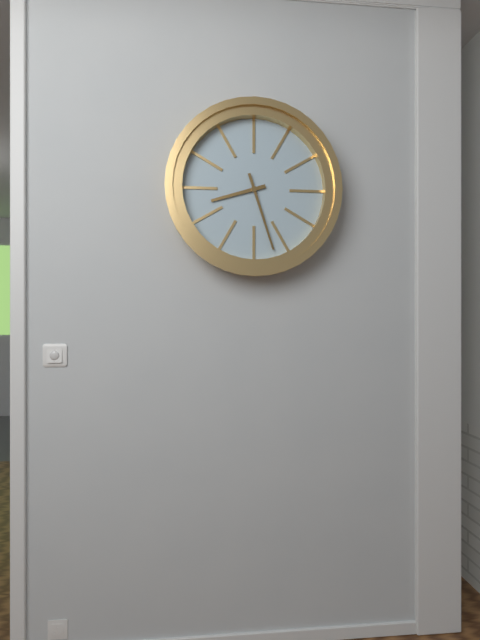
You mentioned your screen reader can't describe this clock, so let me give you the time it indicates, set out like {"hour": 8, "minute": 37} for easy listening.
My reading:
{"hour": 8, "minute": 27}
